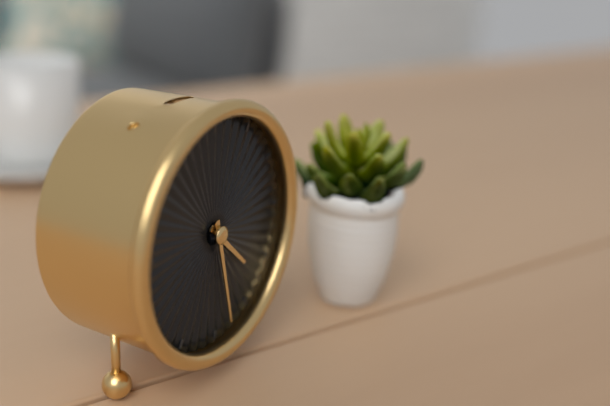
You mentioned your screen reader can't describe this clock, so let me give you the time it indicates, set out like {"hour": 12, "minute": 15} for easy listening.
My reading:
{"hour": 4, "minute": 28}
